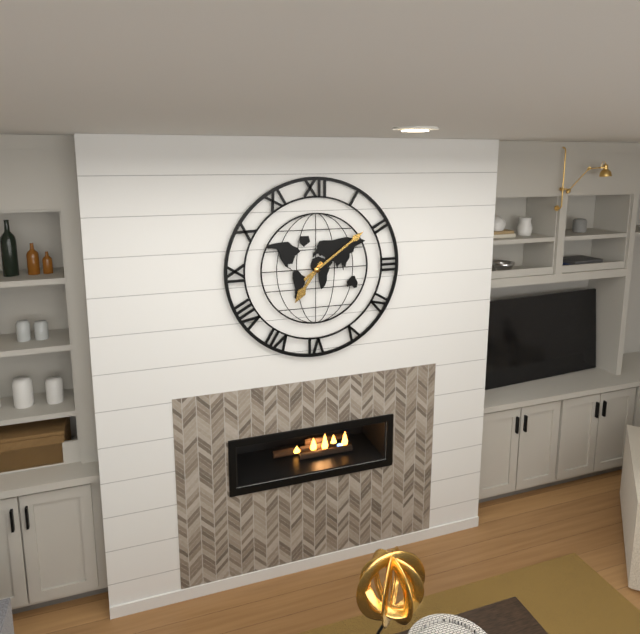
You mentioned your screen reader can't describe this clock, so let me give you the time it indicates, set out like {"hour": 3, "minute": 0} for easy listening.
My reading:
{"hour": 7, "minute": 9}
